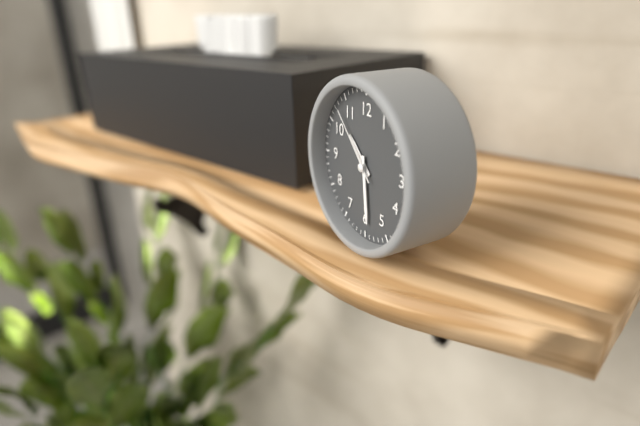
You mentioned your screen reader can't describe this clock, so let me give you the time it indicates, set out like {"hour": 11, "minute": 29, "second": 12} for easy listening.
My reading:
{"hour": 10, "minute": 29, "second": 53}
